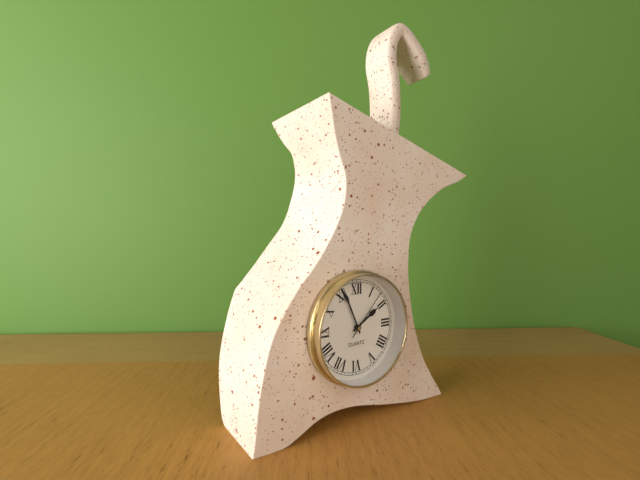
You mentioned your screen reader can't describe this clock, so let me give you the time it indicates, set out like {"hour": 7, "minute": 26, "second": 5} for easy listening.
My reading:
{"hour": 1, "minute": 56, "second": 7}
